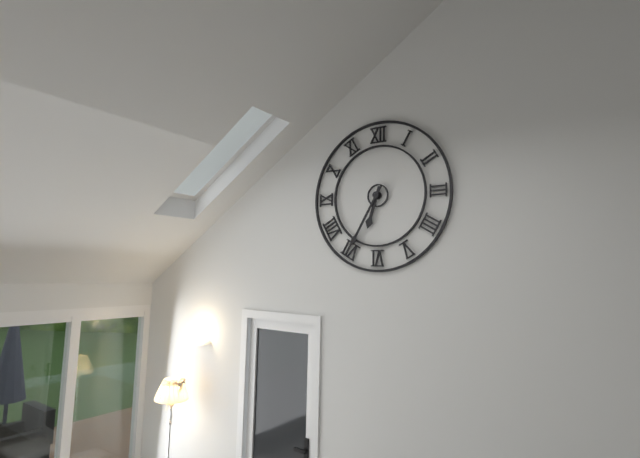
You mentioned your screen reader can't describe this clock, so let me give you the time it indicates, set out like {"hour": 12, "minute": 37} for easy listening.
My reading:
{"hour": 6, "minute": 35}
